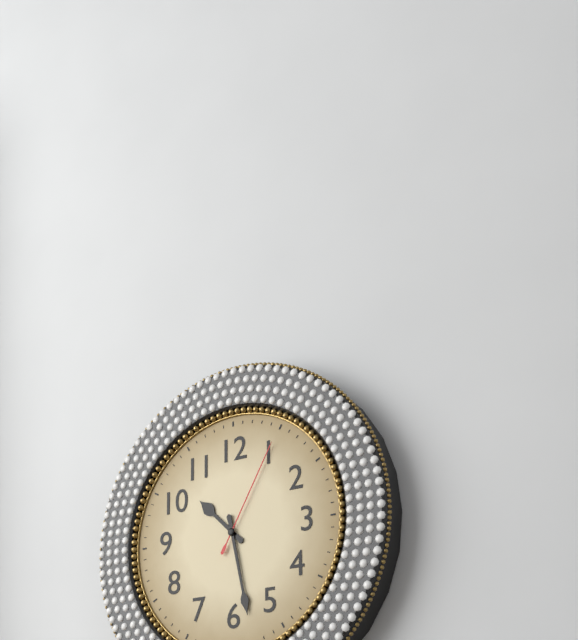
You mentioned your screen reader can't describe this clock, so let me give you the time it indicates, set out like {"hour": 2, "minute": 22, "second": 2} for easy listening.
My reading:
{"hour": 10, "minute": 28, "second": 5}
